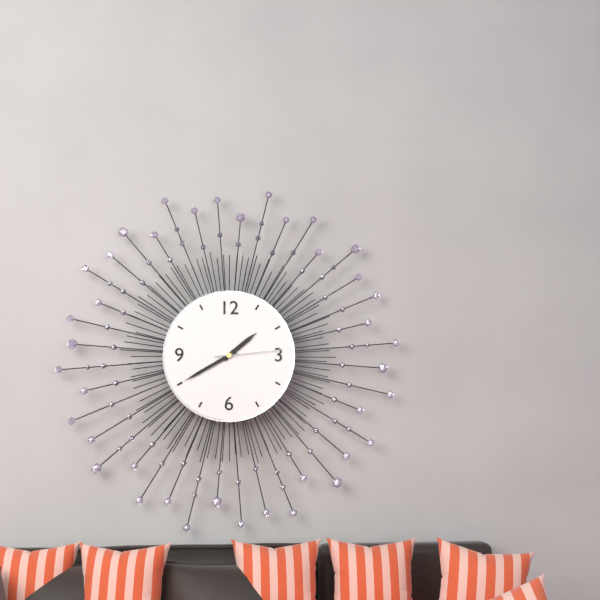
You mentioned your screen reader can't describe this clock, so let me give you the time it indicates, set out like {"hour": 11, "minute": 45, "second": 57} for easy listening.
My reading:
{"hour": 1, "minute": 40, "second": 14}
